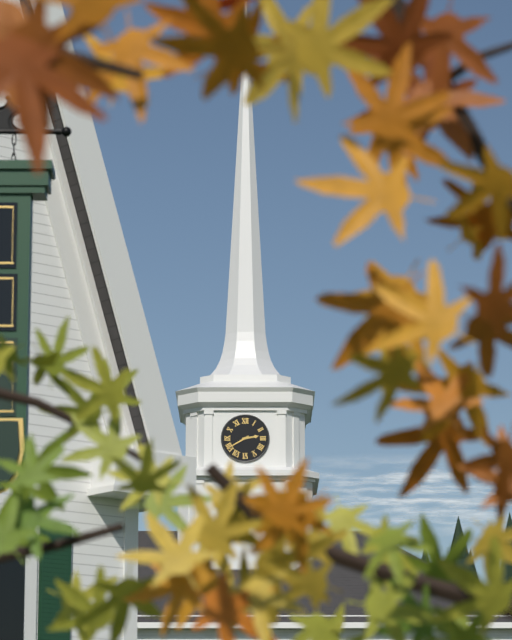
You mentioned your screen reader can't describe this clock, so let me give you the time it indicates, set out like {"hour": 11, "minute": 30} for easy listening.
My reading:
{"hour": 2, "minute": 40}
